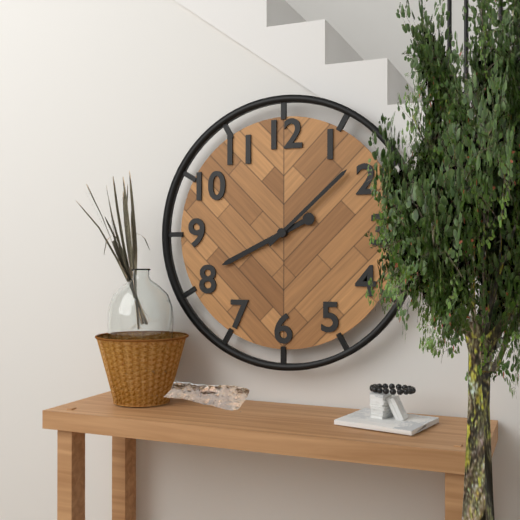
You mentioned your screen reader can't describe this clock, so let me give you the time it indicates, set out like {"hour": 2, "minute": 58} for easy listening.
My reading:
{"hour": 8, "minute": 8}
